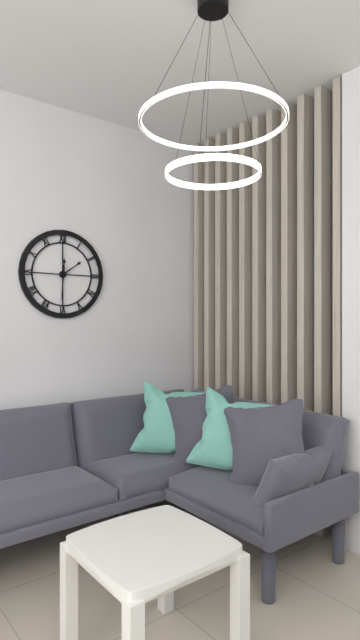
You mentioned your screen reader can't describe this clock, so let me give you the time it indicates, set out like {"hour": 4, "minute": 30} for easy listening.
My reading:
{"hour": 12, "minute": 9}
